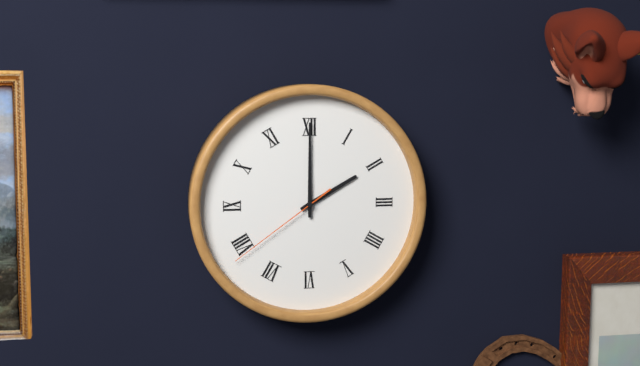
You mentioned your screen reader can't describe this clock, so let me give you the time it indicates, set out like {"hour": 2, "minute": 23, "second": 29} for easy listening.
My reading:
{"hour": 2, "minute": 0, "second": 39}
